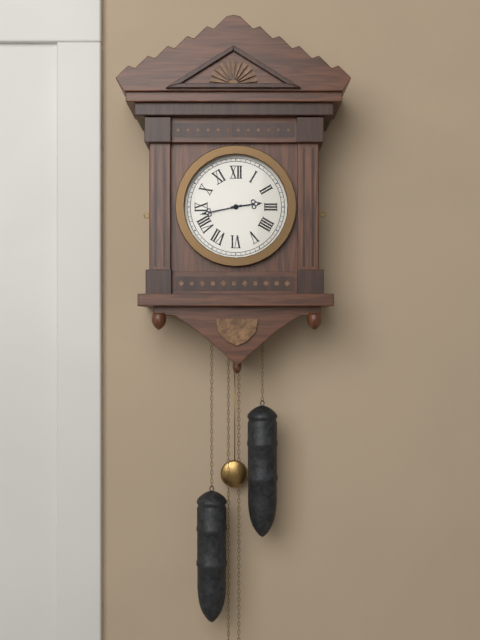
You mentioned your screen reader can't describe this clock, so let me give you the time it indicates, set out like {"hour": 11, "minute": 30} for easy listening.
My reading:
{"hour": 2, "minute": 43}
